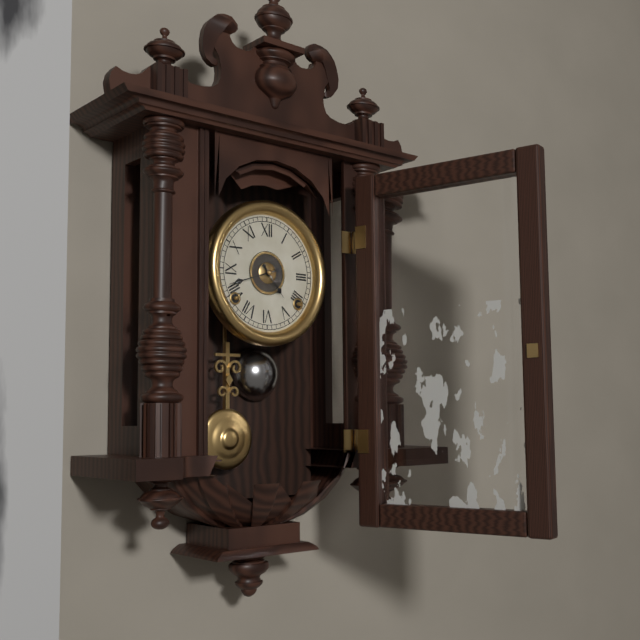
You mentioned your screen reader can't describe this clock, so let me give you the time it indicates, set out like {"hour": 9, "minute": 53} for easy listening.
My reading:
{"hour": 4, "minute": 42}
